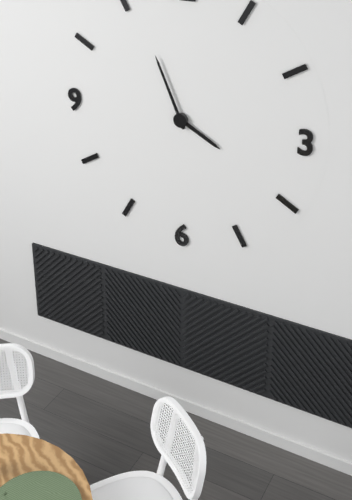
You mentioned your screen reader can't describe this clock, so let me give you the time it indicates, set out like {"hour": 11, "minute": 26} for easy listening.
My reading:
{"hour": 3, "minute": 56}
